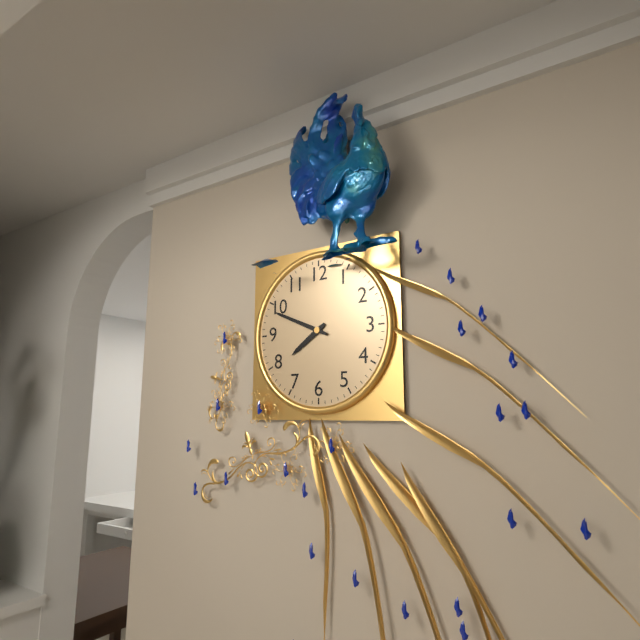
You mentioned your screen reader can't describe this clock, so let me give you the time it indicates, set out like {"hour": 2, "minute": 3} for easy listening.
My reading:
{"hour": 7, "minute": 49}
